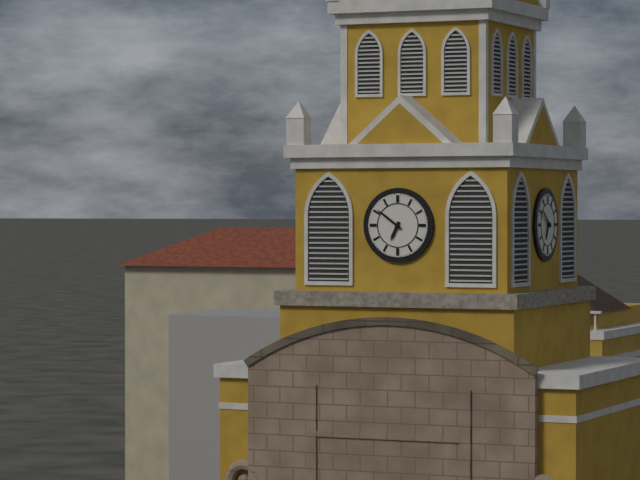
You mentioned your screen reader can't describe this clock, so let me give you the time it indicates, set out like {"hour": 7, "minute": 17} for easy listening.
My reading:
{"hour": 6, "minute": 51}
